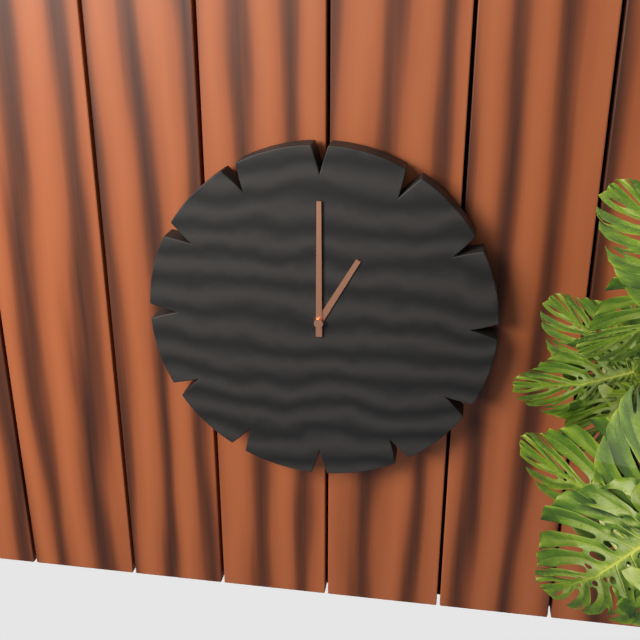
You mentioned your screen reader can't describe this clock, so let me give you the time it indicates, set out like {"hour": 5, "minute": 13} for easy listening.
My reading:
{"hour": 1, "minute": 0}
